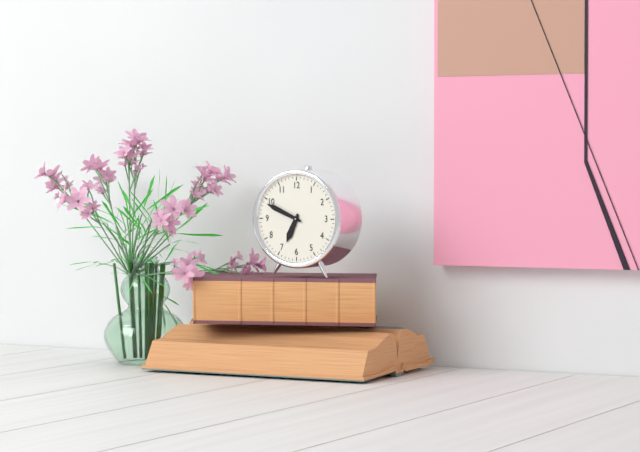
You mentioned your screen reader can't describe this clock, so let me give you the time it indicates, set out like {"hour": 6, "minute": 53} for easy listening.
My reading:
{"hour": 6, "minute": 49}
